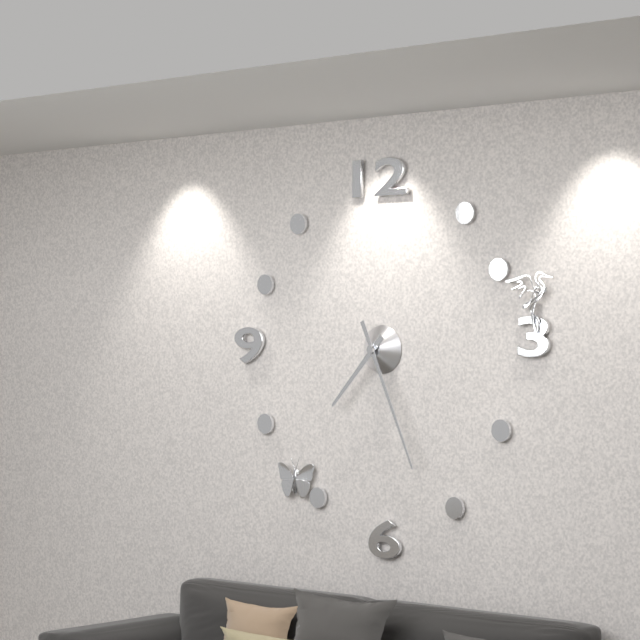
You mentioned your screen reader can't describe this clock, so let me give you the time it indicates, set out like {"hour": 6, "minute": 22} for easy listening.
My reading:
{"hour": 7, "minute": 26}
